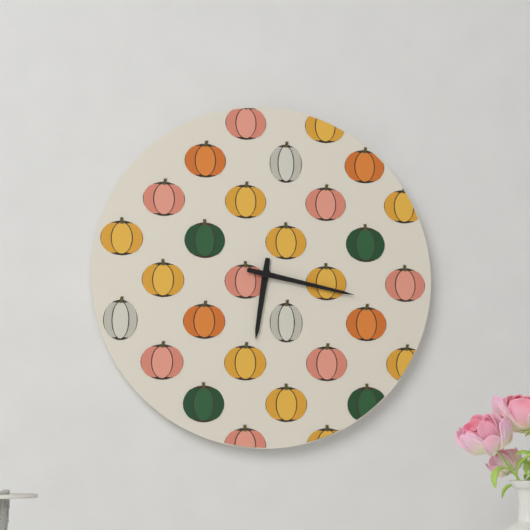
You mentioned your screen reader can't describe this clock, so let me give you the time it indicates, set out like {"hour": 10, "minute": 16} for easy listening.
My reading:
{"hour": 6, "minute": 17}
